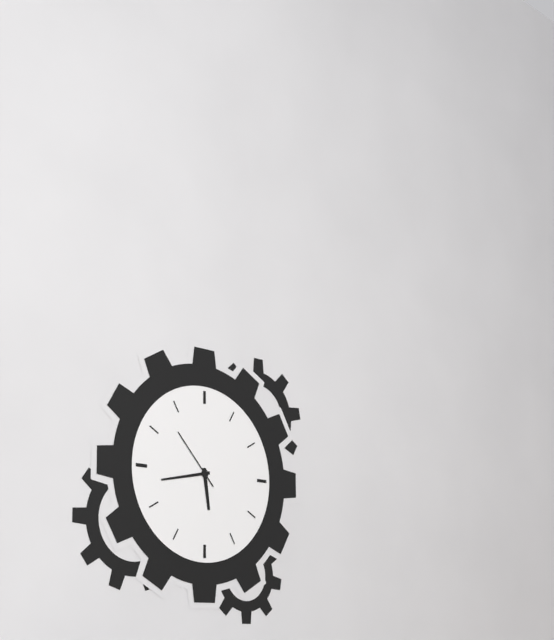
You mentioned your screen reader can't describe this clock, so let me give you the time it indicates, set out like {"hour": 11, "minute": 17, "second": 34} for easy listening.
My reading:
{"hour": 5, "minute": 43, "second": 53}
